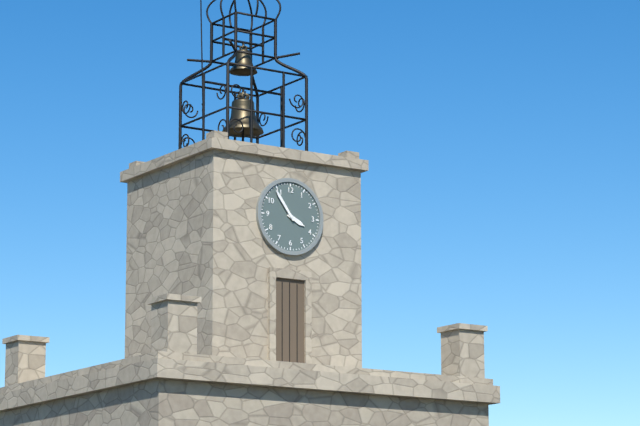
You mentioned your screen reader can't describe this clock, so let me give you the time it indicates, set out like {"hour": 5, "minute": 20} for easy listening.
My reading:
{"hour": 3, "minute": 54}
